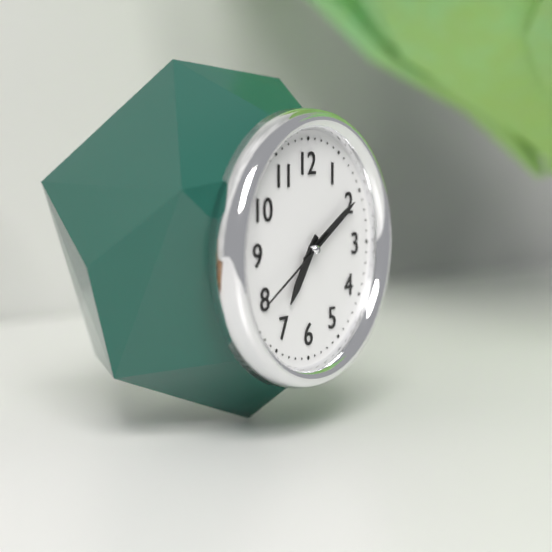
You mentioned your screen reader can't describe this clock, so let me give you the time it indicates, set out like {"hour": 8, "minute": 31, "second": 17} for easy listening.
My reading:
{"hour": 7, "minute": 10, "second": 40}
